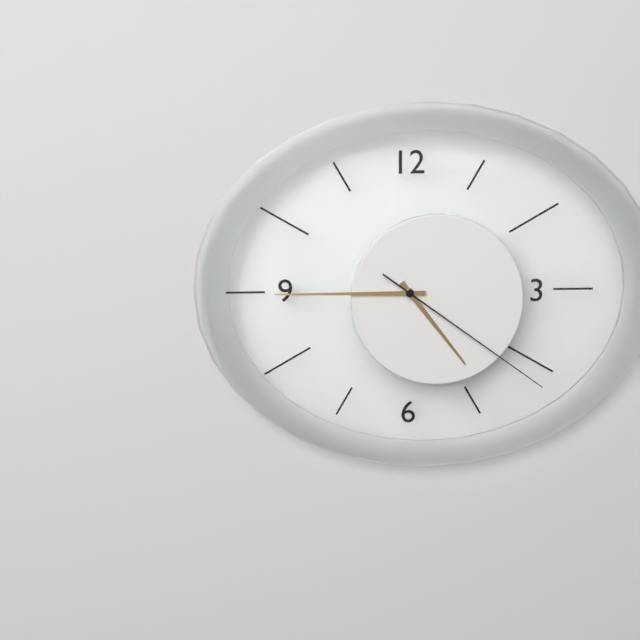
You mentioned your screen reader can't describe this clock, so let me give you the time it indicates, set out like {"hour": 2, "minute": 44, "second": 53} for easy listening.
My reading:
{"hour": 4, "minute": 45, "second": 21}
